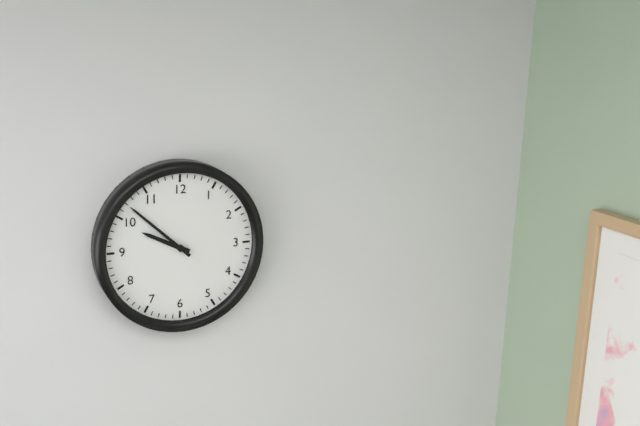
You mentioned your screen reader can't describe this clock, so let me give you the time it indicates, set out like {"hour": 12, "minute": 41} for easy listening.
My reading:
{"hour": 9, "minute": 52}
